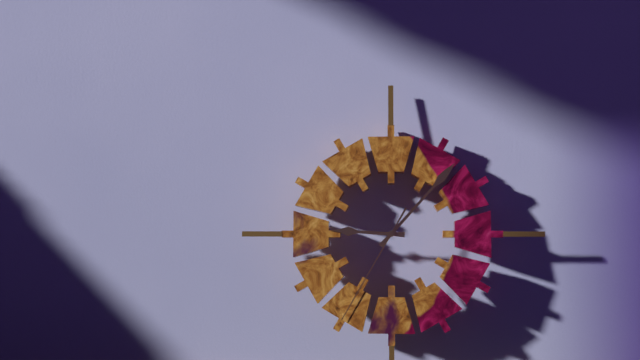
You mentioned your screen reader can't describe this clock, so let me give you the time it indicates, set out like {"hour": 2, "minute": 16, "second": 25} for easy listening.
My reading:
{"hour": 9, "minute": 7, "second": 35}
